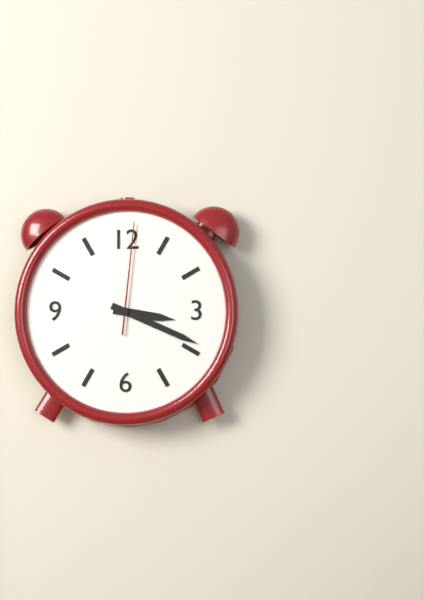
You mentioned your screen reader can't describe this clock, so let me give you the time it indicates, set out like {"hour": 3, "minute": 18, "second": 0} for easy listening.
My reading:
{"hour": 3, "minute": 19, "second": 1}
